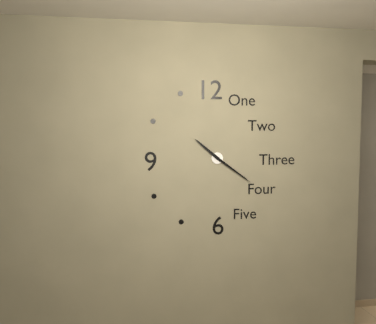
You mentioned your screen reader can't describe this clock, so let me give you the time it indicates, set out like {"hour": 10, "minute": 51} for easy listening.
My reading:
{"hour": 10, "minute": 21}
